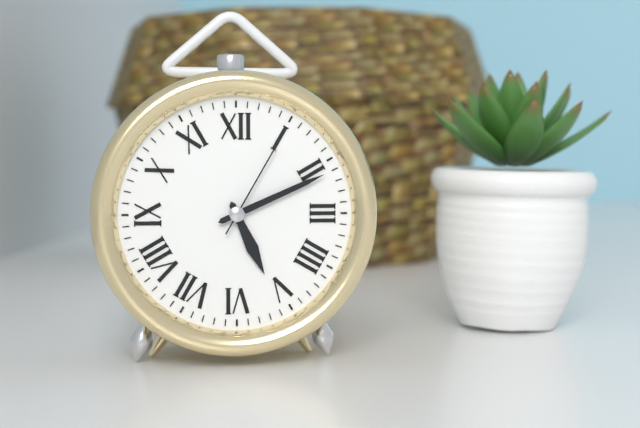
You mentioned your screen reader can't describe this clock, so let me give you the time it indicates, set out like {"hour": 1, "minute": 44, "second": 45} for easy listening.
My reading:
{"hour": 5, "minute": 11, "second": 5}
